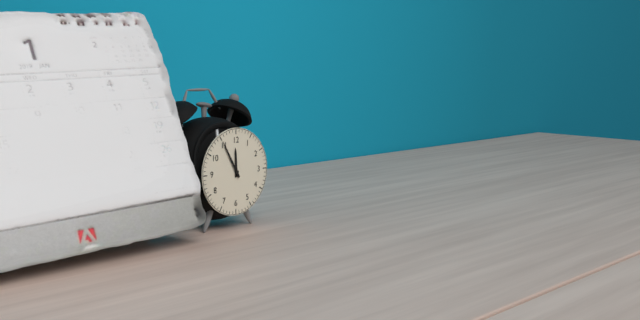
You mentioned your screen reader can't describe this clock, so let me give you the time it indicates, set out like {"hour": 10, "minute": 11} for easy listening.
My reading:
{"hour": 11, "minute": 55}
